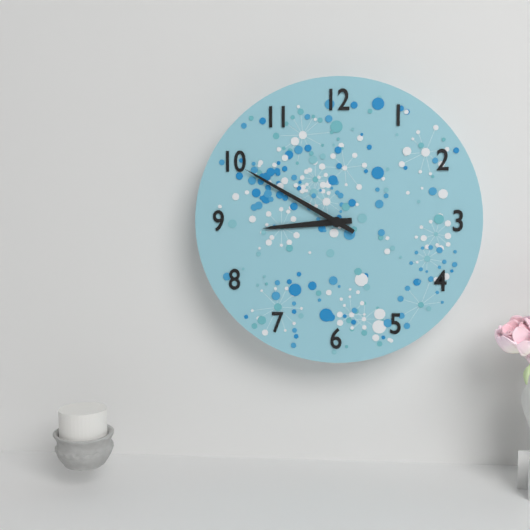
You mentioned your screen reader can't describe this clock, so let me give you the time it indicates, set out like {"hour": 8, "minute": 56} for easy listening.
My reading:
{"hour": 8, "minute": 50}
